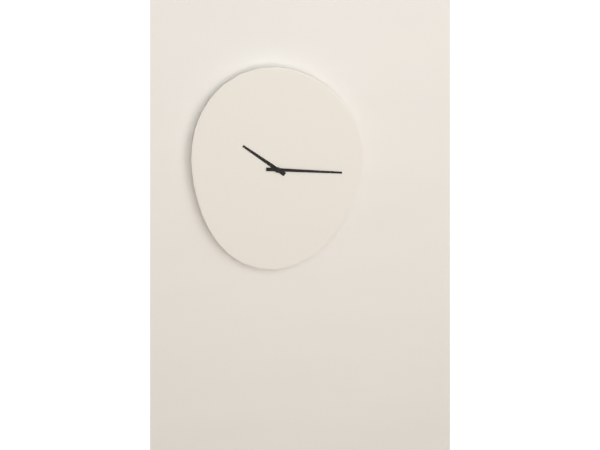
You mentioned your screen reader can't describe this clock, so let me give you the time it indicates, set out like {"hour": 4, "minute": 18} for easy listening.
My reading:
{"hour": 10, "minute": 16}
